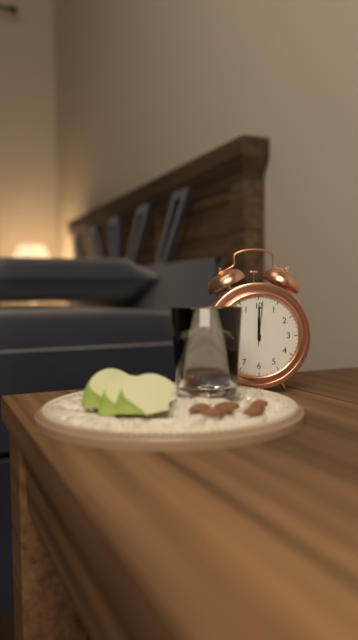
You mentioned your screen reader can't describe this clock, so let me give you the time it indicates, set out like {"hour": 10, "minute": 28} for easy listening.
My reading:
{"hour": 12, "minute": 0}
